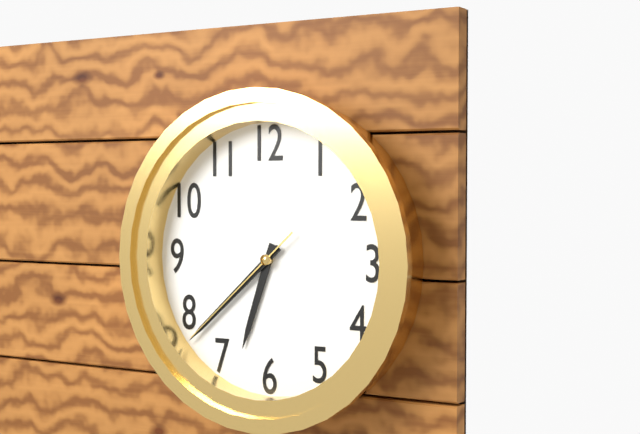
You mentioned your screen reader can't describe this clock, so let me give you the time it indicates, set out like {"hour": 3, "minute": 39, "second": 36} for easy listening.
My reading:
{"hour": 6, "minute": 38, "second": 38}
